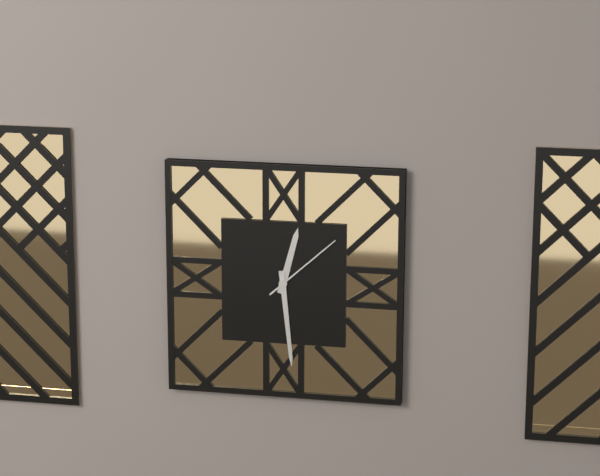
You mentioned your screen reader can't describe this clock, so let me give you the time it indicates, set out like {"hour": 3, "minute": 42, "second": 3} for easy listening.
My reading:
{"hour": 12, "minute": 29, "second": 8}
